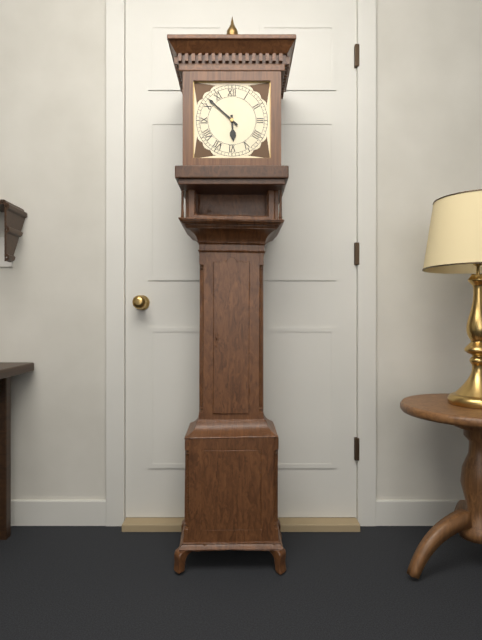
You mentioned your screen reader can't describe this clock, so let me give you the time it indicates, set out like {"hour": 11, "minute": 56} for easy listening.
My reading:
{"hour": 5, "minute": 52}
